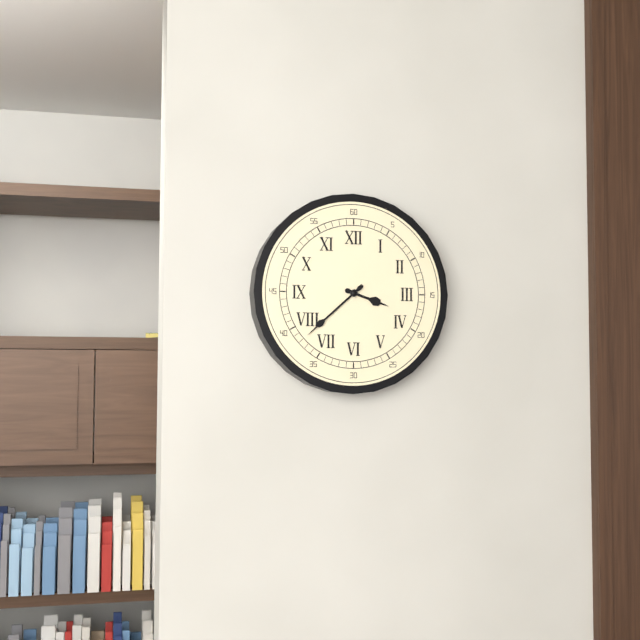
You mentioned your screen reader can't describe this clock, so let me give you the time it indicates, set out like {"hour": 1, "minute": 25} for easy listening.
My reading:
{"hour": 3, "minute": 38}
